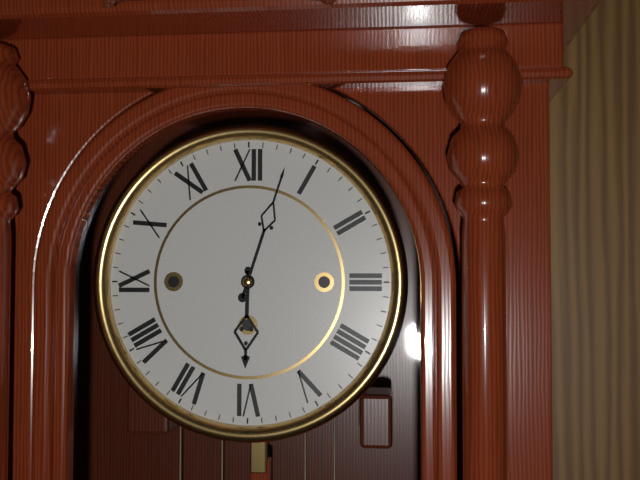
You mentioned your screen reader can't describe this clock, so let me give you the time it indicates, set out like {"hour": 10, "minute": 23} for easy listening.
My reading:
{"hour": 6, "minute": 3}
